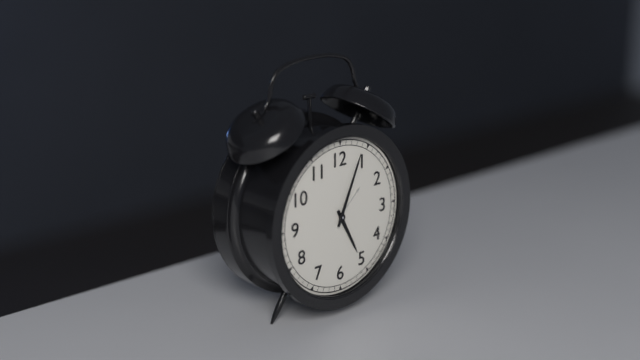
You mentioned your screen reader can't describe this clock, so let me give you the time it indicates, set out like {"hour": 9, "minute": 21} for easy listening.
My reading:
{"hour": 5, "minute": 4}
